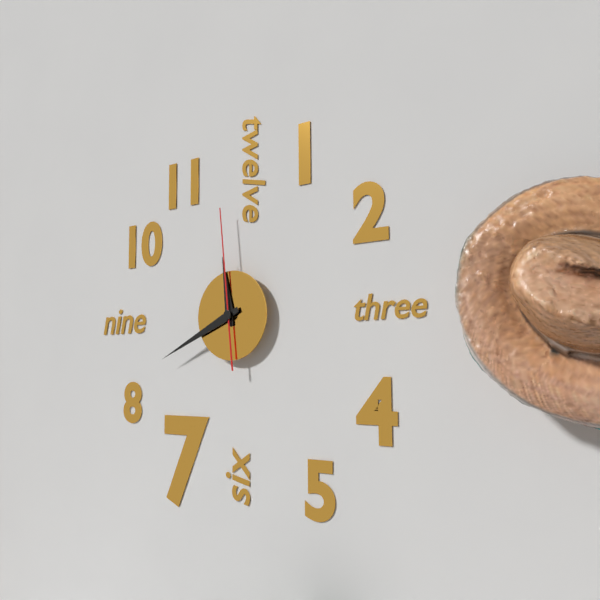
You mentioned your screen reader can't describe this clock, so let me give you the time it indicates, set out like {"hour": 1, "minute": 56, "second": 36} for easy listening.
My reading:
{"hour": 11, "minute": 41, "second": 59}
